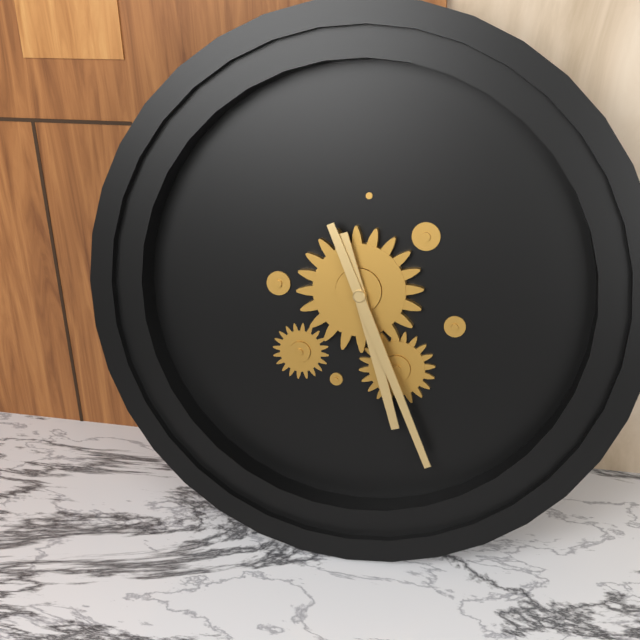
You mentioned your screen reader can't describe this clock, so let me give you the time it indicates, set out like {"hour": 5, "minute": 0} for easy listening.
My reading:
{"hour": 5, "minute": 26}
